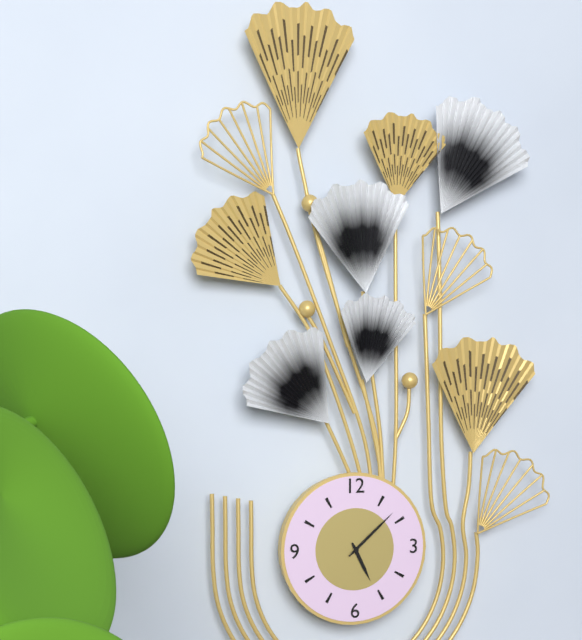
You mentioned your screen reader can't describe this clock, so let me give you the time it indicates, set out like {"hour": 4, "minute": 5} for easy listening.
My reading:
{"hour": 5, "minute": 8}
